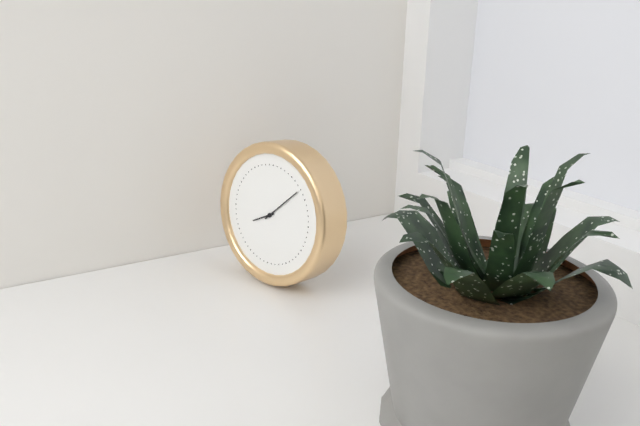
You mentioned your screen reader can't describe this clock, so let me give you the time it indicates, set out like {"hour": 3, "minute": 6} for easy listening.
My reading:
{"hour": 8, "minute": 8}
